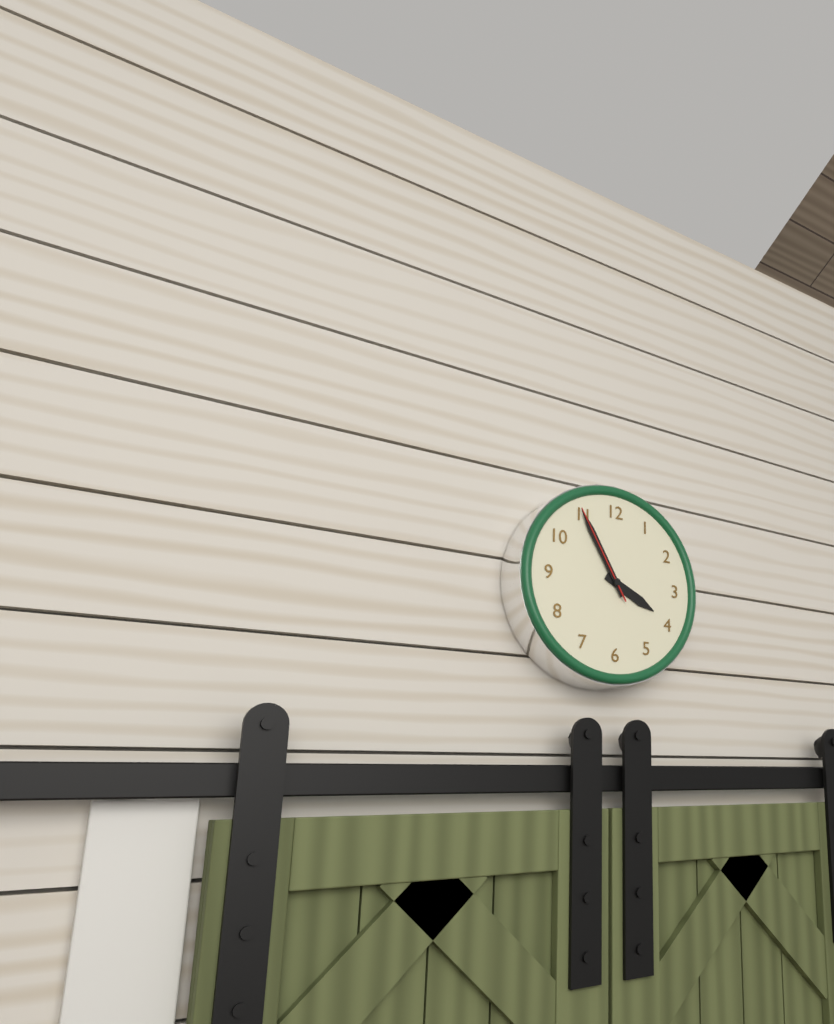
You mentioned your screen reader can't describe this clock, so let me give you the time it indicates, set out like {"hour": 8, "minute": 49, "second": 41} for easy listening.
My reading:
{"hour": 3, "minute": 55, "second": 55}
